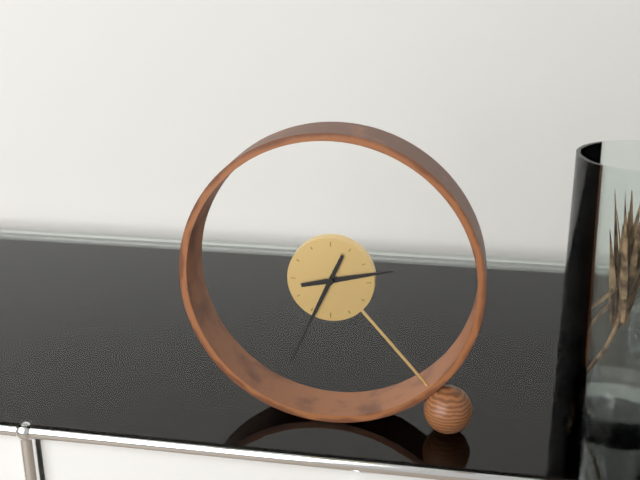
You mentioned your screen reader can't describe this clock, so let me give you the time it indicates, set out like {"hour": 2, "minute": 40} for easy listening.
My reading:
{"hour": 2, "minute": 34}
